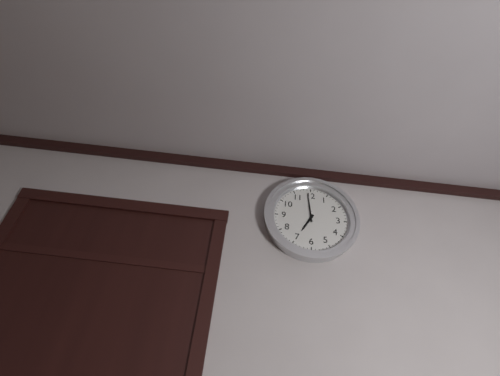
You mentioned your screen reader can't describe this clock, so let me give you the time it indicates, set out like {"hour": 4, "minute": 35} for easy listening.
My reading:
{"hour": 6, "minute": 59}
